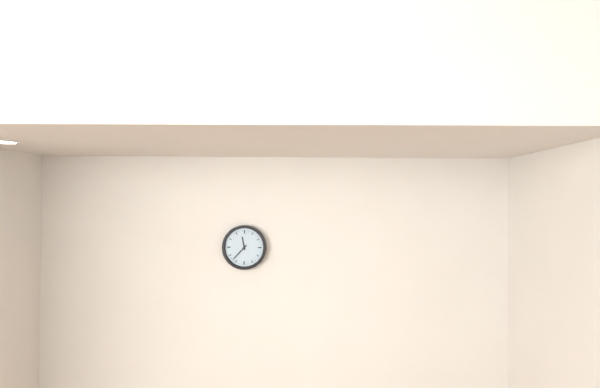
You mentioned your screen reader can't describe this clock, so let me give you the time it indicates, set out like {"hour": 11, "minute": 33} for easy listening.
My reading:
{"hour": 11, "minute": 37}
